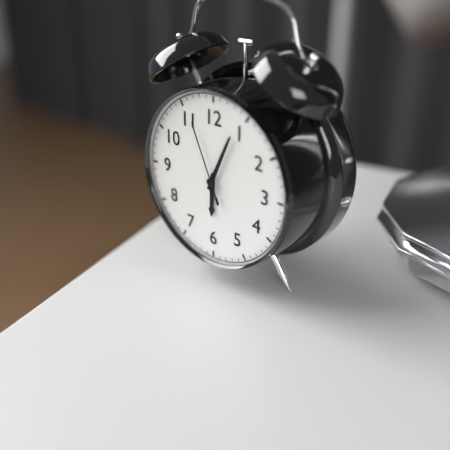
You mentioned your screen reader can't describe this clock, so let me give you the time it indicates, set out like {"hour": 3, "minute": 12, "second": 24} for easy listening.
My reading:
{"hour": 6, "minute": 4, "second": 56}
